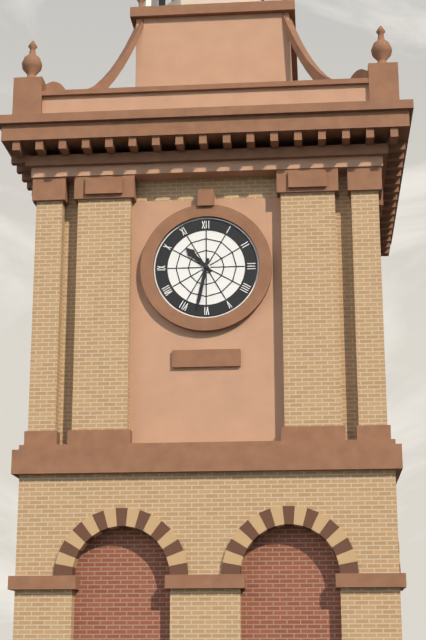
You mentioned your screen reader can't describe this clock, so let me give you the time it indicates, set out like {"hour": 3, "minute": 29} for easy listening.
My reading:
{"hour": 10, "minute": 32}
